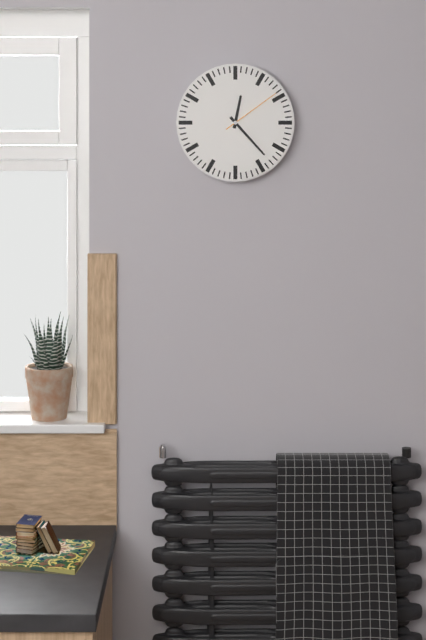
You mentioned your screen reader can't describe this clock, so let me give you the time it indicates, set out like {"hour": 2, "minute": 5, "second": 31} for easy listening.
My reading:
{"hour": 12, "minute": 23, "second": 9}
